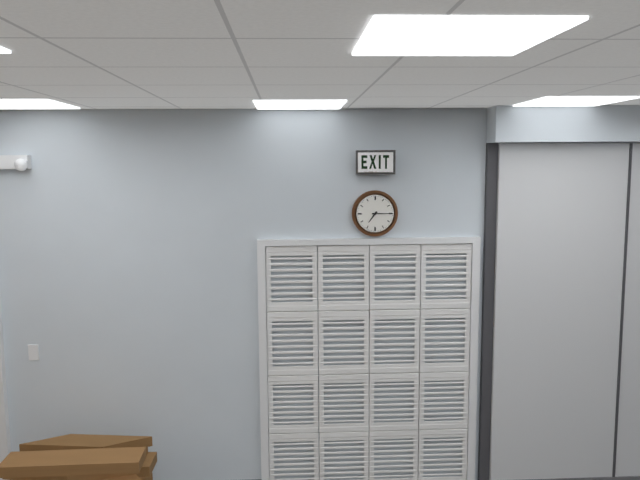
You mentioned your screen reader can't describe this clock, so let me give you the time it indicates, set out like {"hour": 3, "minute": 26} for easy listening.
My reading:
{"hour": 7, "minute": 15}
